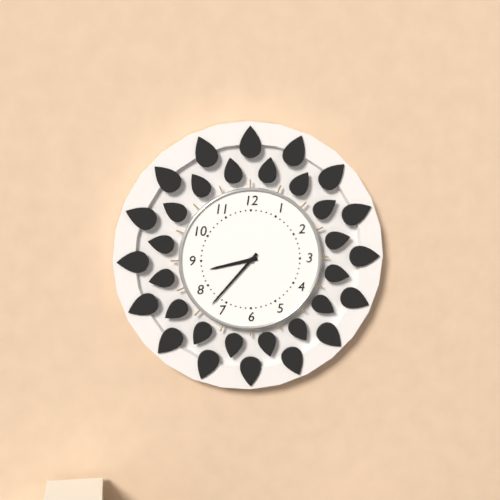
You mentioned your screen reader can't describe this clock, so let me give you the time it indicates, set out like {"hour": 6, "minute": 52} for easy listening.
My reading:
{"hour": 8, "minute": 37}
